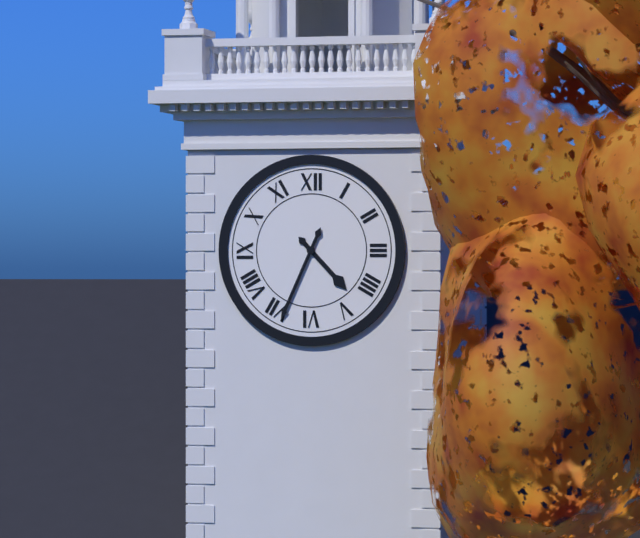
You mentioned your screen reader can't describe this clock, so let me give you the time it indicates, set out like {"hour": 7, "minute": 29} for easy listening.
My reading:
{"hour": 4, "minute": 34}
